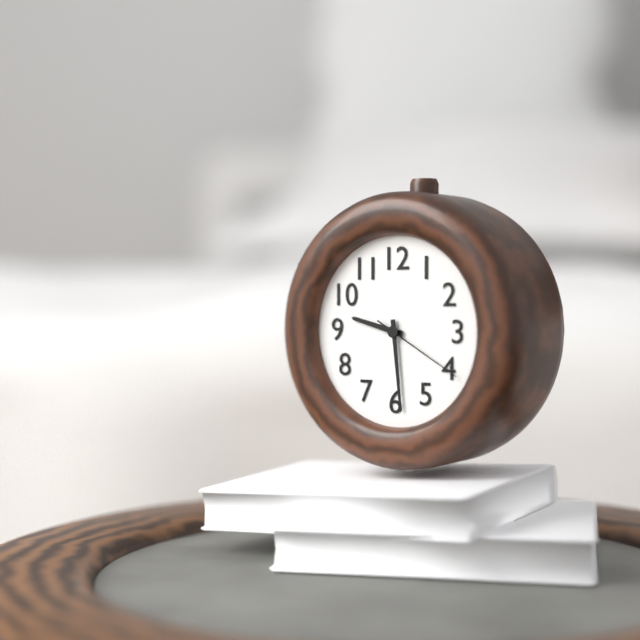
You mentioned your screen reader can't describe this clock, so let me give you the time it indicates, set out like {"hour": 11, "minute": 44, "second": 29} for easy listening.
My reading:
{"hour": 9, "minute": 29, "second": 20}
